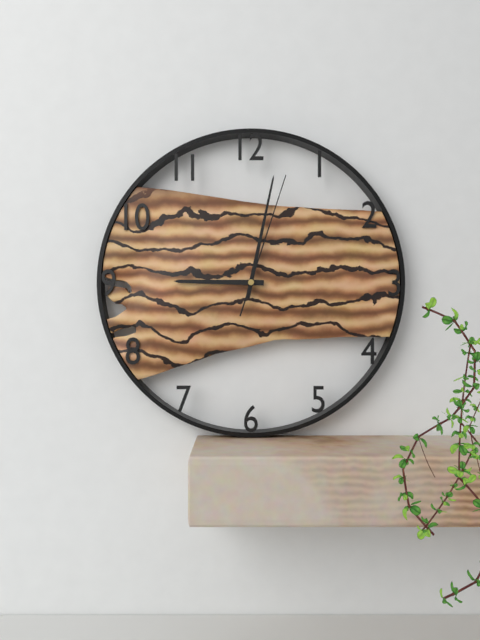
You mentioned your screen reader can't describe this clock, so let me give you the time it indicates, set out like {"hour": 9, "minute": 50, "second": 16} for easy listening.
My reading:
{"hour": 9, "minute": 2, "second": 3}
